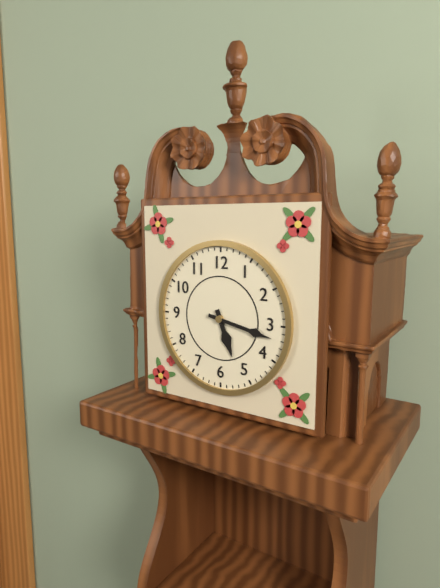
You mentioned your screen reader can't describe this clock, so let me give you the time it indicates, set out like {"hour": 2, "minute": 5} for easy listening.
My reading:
{"hour": 5, "minute": 17}
